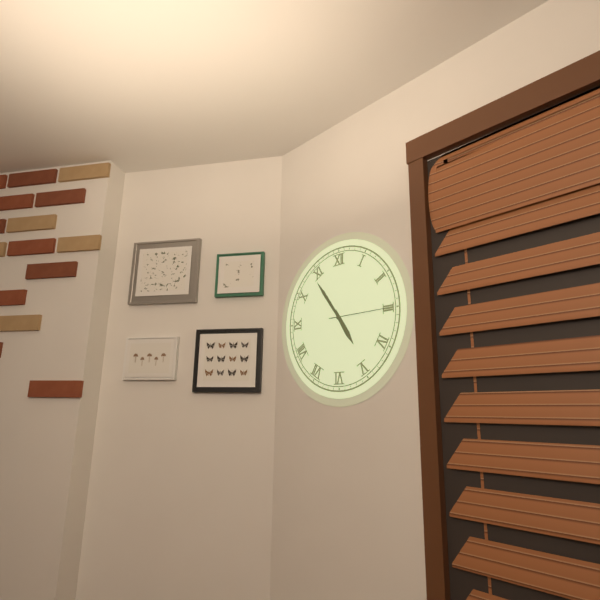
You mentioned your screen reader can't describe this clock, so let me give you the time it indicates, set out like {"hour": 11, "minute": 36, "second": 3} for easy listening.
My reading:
{"hour": 4, "minute": 54, "second": 15}
